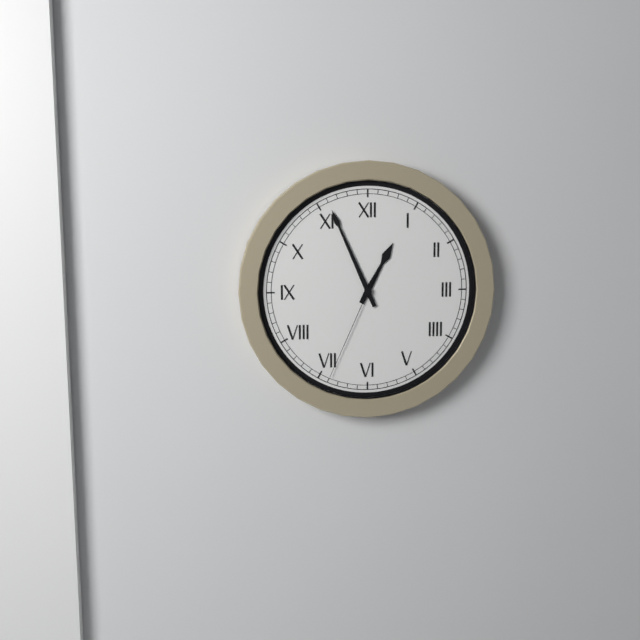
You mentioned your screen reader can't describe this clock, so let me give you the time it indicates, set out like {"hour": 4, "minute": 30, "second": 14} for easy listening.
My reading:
{"hour": 12, "minute": 56, "second": 34}
